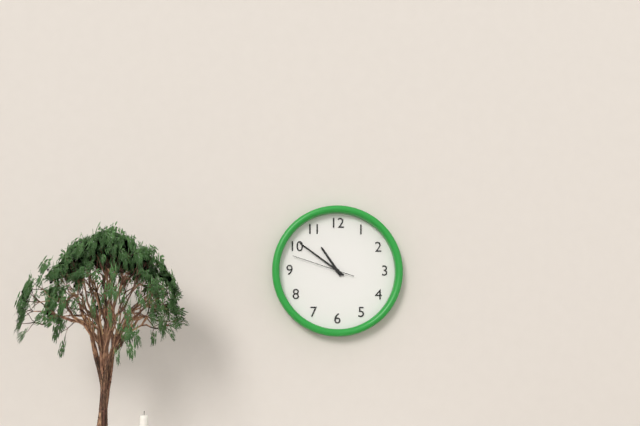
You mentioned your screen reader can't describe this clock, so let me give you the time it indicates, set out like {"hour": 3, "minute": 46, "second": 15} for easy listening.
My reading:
{"hour": 10, "minute": 51, "second": 48}
